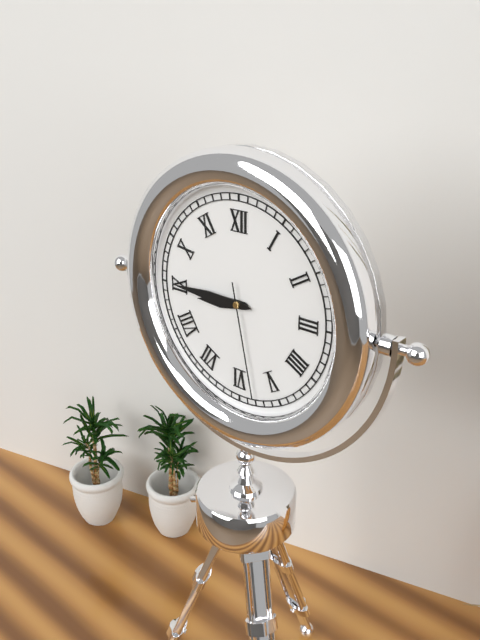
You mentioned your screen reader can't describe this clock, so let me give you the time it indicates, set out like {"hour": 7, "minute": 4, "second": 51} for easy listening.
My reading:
{"hour": 8, "minute": 45, "second": 28}
